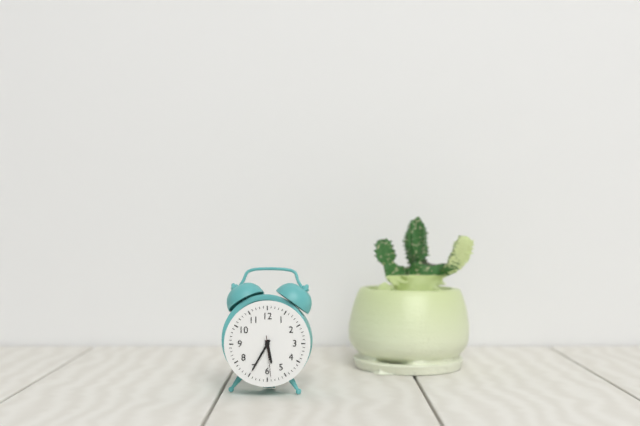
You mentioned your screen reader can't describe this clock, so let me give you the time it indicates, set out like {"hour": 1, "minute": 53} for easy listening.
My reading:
{"hour": 5, "minute": 35}
